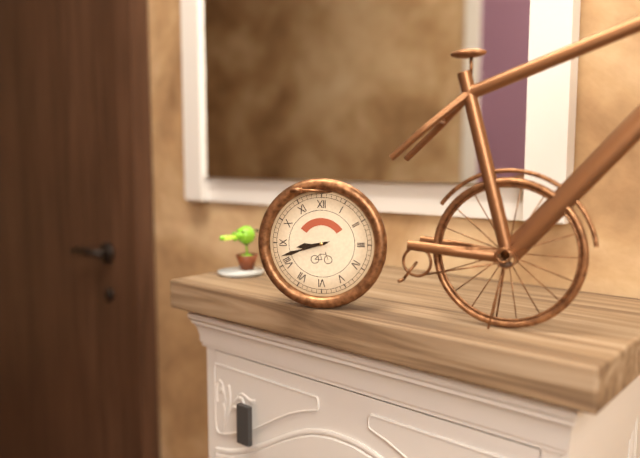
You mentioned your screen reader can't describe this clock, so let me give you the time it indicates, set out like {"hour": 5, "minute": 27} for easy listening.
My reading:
{"hour": 8, "minute": 42}
